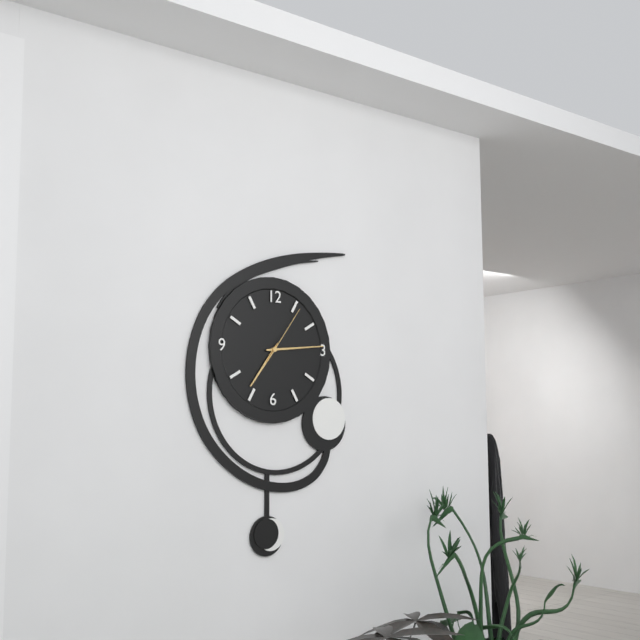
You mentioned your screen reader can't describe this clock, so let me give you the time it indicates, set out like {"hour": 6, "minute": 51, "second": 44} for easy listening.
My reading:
{"hour": 7, "minute": 14, "second": 6}
